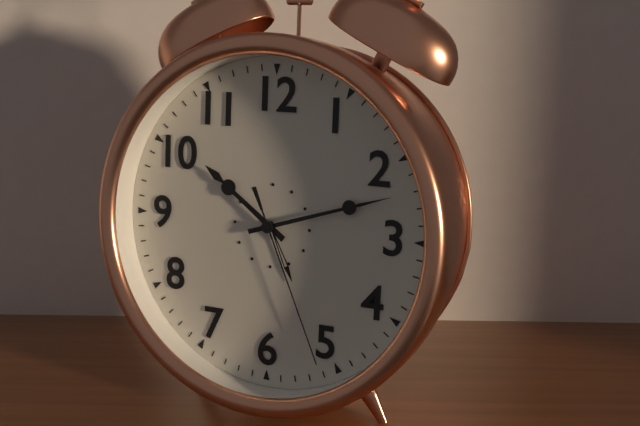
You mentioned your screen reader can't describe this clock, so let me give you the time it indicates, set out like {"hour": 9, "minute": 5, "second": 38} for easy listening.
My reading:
{"hour": 10, "minute": 12, "second": 26}
